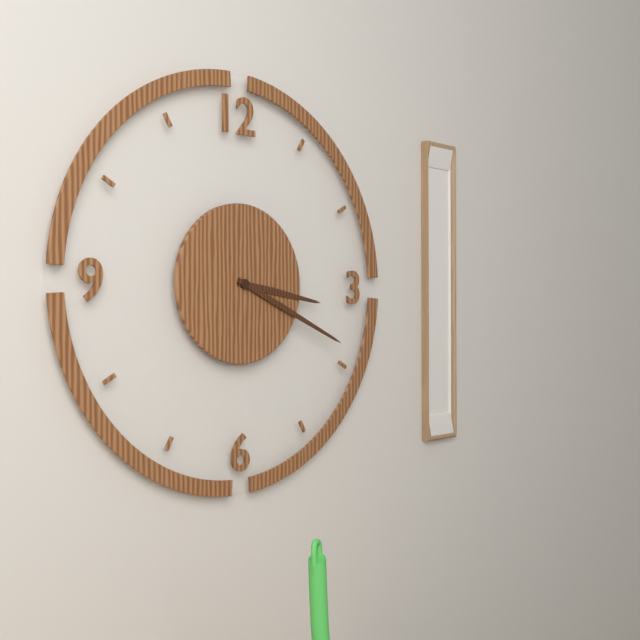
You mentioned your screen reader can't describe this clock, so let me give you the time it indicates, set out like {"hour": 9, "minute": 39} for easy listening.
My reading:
{"hour": 3, "minute": 19}
